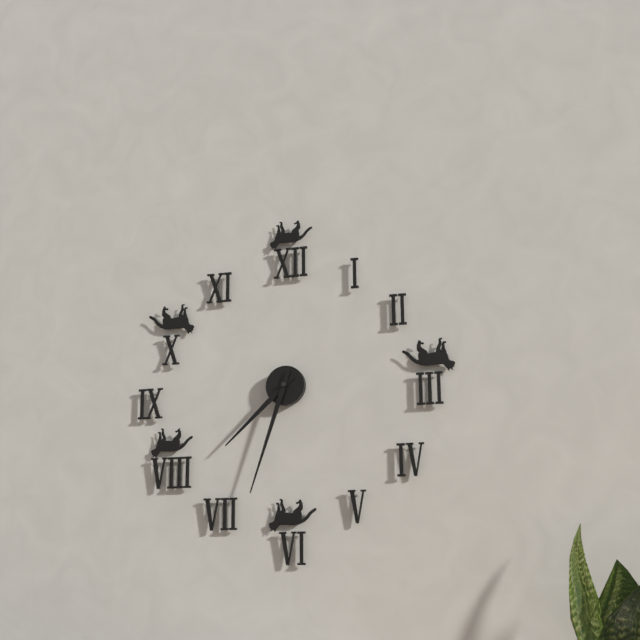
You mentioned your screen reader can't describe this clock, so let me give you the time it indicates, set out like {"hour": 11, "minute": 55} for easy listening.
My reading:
{"hour": 7, "minute": 33}
